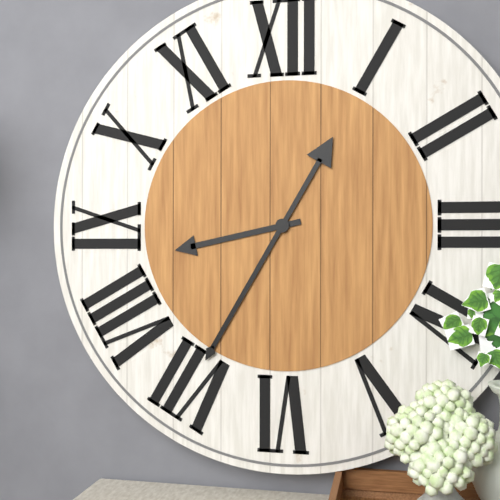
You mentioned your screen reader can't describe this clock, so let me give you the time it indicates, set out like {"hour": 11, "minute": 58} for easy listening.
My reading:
{"hour": 8, "minute": 35}
